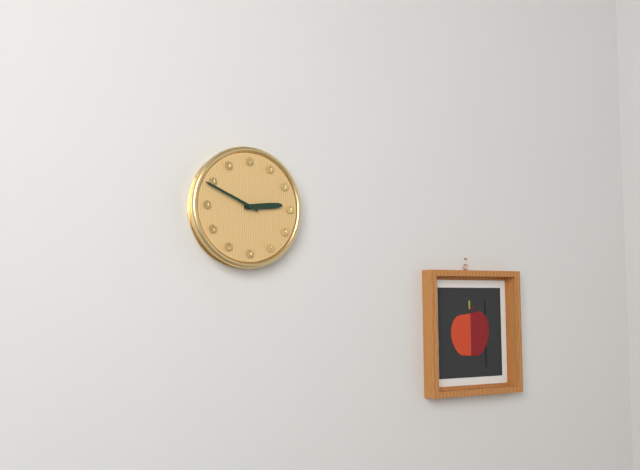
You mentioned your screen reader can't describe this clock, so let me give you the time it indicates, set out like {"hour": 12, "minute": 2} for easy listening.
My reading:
{"hour": 2, "minute": 49}
